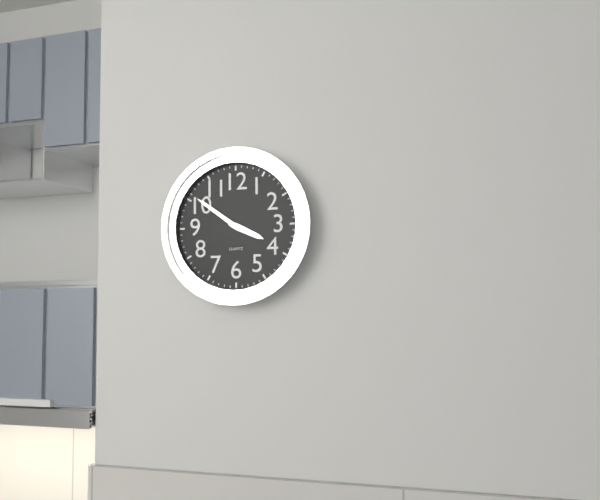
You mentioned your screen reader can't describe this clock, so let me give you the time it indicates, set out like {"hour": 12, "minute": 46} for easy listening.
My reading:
{"hour": 3, "minute": 51}
